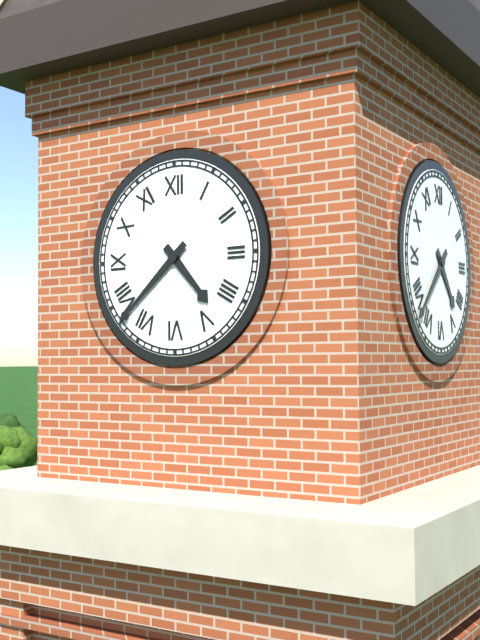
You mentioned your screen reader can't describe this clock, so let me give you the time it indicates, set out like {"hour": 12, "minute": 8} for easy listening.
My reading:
{"hour": 4, "minute": 38}
